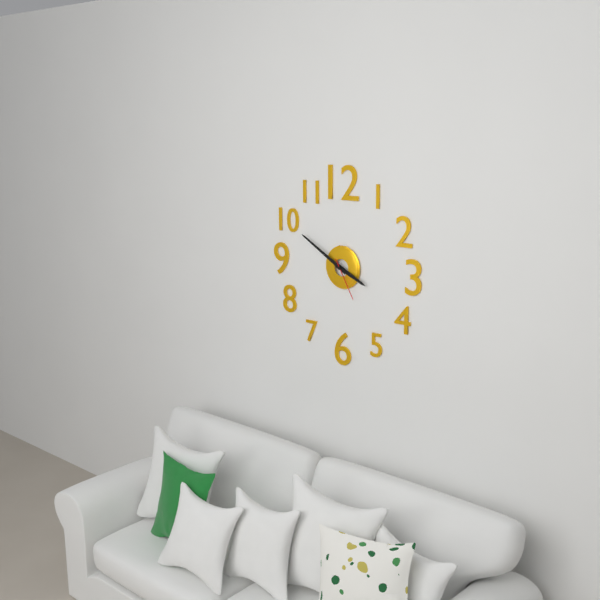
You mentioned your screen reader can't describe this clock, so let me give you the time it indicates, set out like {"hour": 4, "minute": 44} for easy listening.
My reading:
{"hour": 3, "minute": 50}
